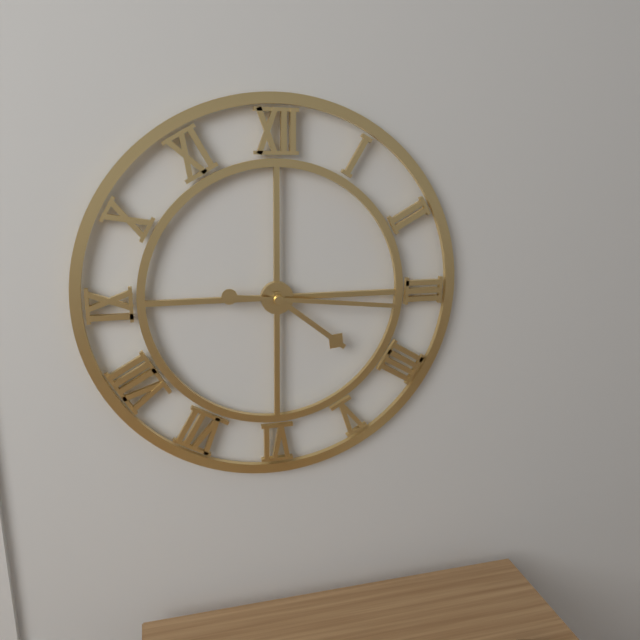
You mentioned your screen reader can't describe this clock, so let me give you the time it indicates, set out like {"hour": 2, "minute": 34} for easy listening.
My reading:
{"hour": 4, "minute": 16}
